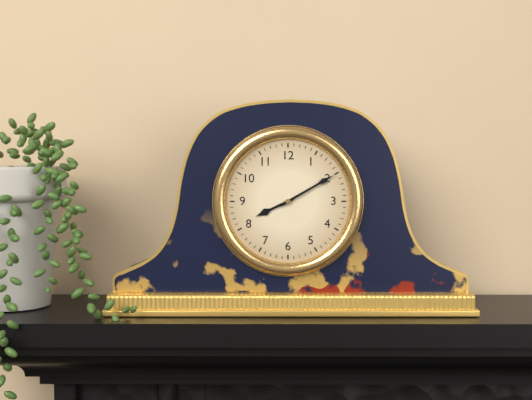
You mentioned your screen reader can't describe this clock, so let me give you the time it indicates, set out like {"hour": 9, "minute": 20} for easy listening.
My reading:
{"hour": 8, "minute": 10}
